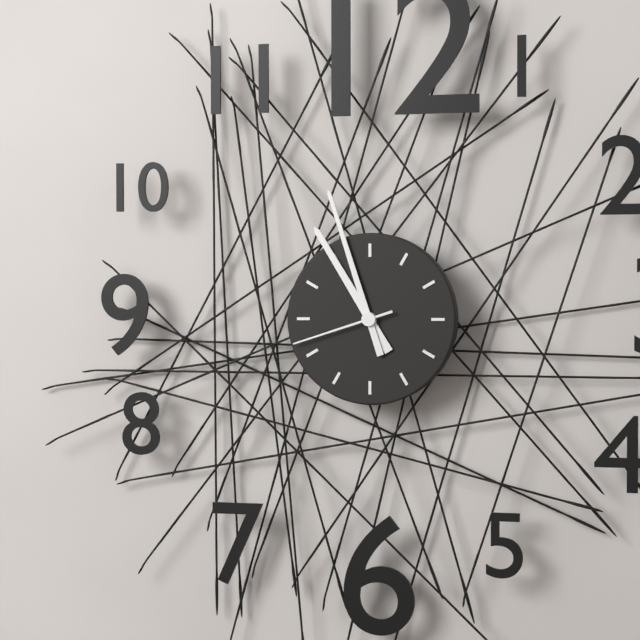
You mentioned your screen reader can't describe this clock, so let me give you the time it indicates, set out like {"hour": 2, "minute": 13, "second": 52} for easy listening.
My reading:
{"hour": 10, "minute": 57, "second": 42}
